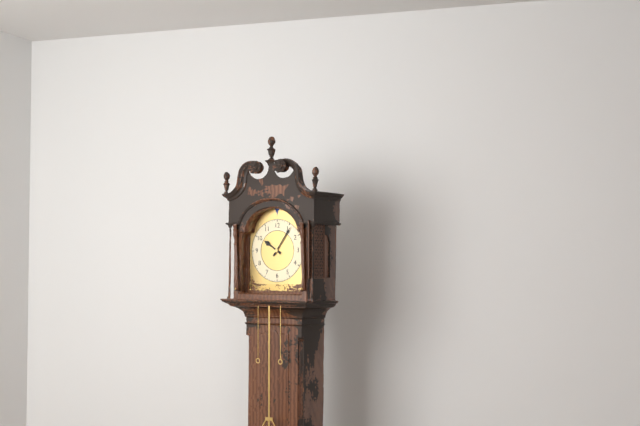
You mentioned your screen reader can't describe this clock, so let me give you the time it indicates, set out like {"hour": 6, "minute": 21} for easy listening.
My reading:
{"hour": 10, "minute": 6}
